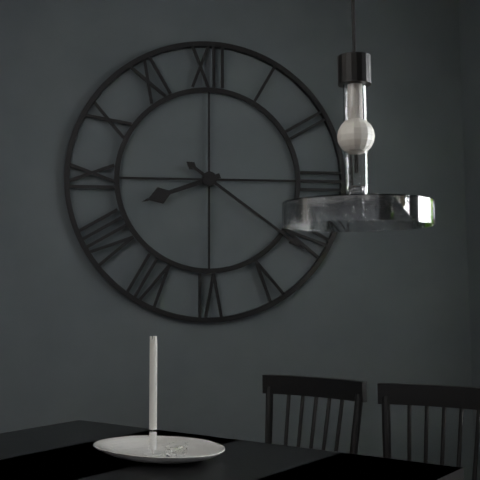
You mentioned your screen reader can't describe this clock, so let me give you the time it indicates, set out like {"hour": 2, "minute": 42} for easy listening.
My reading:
{"hour": 8, "minute": 21}
